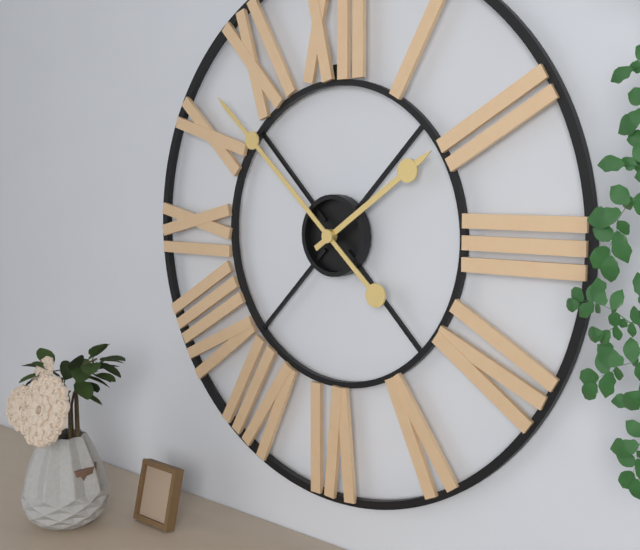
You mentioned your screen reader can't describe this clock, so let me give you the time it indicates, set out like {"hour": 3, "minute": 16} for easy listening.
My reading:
{"hour": 1, "minute": 52}
